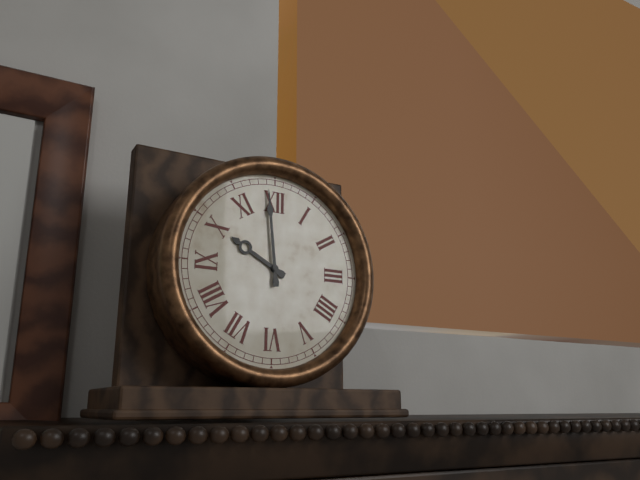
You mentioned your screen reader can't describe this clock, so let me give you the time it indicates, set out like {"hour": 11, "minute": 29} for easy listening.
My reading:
{"hour": 9, "minute": 59}
